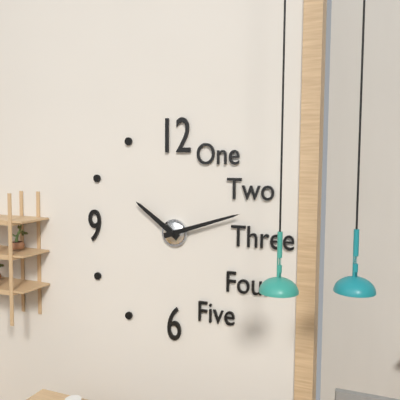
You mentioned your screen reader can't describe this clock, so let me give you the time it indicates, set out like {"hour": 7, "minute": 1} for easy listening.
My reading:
{"hour": 10, "minute": 12}
